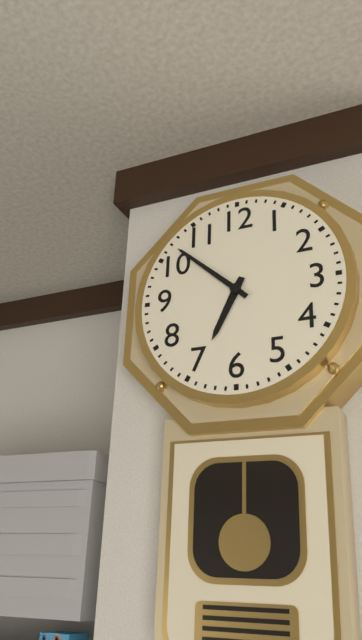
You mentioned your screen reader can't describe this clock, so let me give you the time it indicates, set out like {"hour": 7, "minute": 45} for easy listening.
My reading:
{"hour": 6, "minute": 52}
